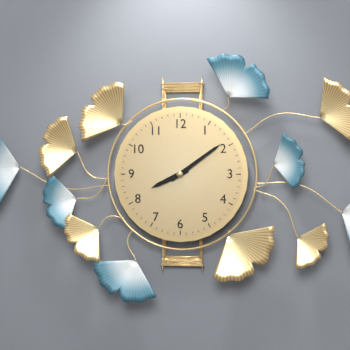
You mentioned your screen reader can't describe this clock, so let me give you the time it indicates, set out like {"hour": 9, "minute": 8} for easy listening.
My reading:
{"hour": 8, "minute": 9}
